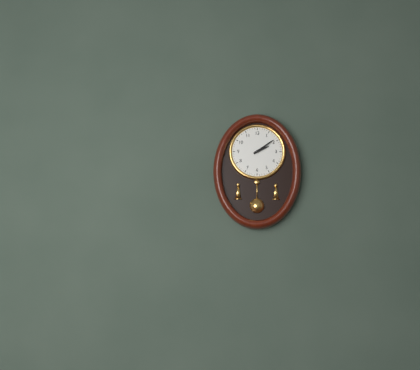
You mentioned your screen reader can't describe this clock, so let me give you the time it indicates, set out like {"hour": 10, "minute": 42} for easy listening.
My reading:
{"hour": 2, "minute": 9}
